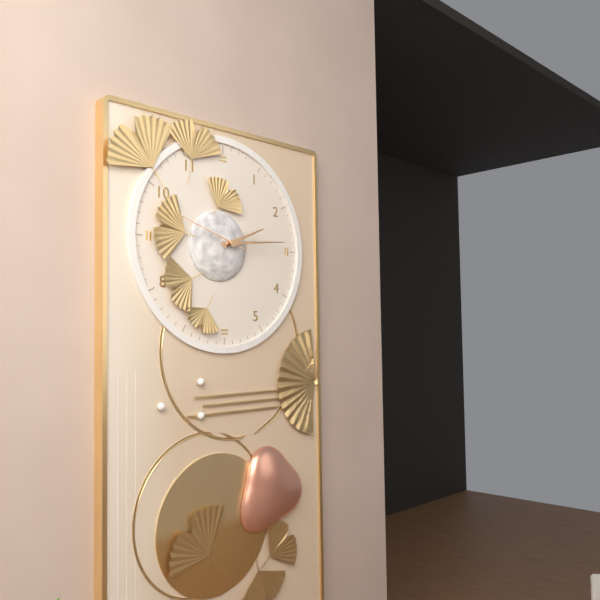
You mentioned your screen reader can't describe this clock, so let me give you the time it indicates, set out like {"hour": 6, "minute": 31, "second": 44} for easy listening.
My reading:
{"hour": 2, "minute": 14, "second": 48}
